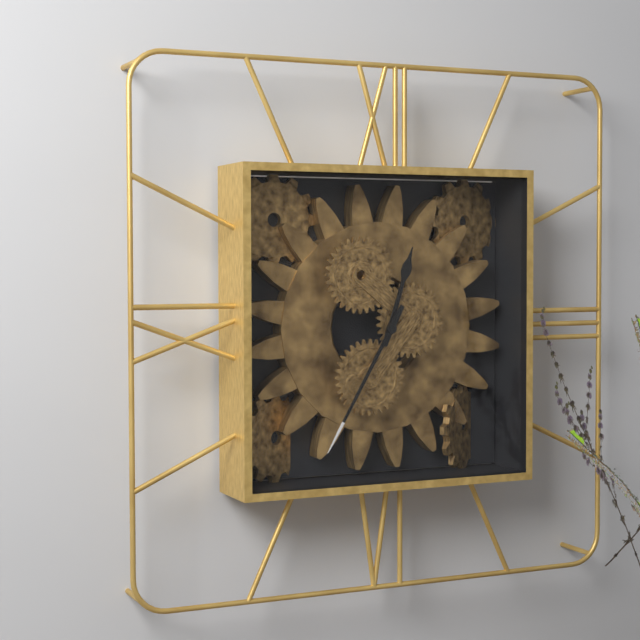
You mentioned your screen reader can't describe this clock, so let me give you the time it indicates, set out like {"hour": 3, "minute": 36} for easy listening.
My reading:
{"hour": 12, "minute": 35}
